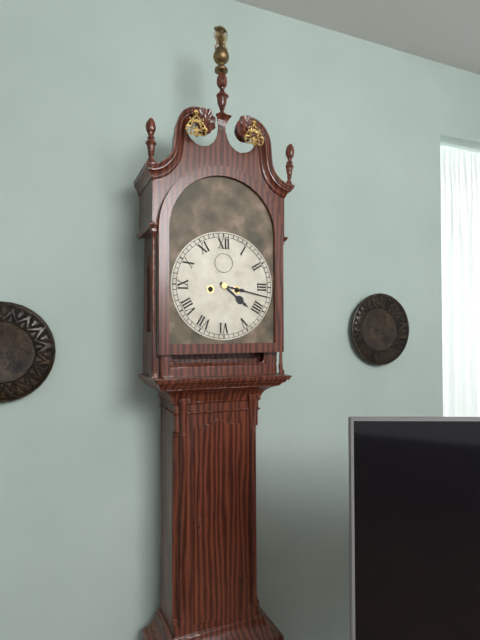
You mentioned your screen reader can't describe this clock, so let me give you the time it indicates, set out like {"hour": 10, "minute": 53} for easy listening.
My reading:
{"hour": 4, "minute": 17}
